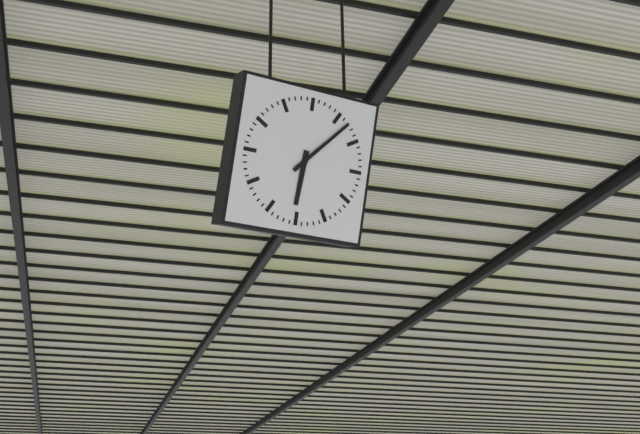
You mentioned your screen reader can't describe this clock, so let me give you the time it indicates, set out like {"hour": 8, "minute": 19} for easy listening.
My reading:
{"hour": 6, "minute": 7}
